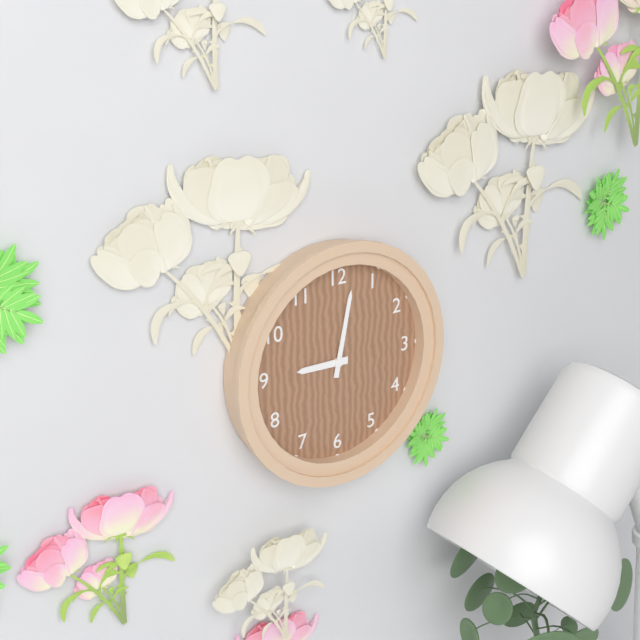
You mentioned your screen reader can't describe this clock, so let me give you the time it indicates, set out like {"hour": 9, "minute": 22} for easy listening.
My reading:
{"hour": 9, "minute": 2}
